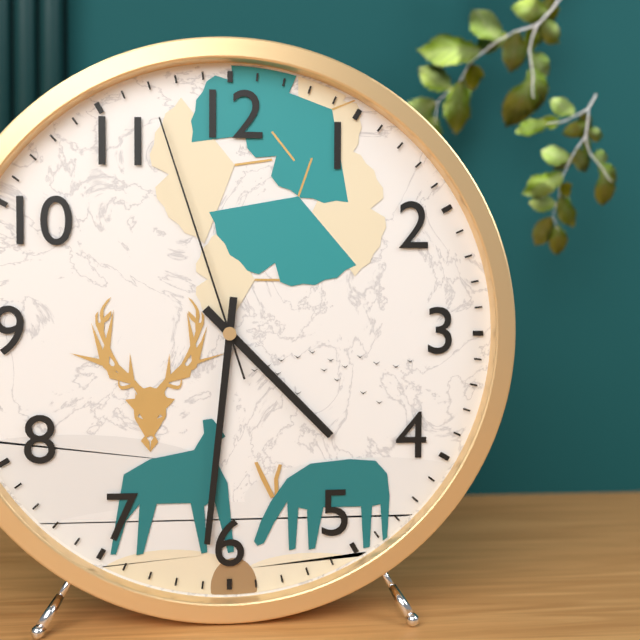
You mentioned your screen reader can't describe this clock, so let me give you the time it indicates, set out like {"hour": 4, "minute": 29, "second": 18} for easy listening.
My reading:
{"hour": 4, "minute": 31, "second": 57}
